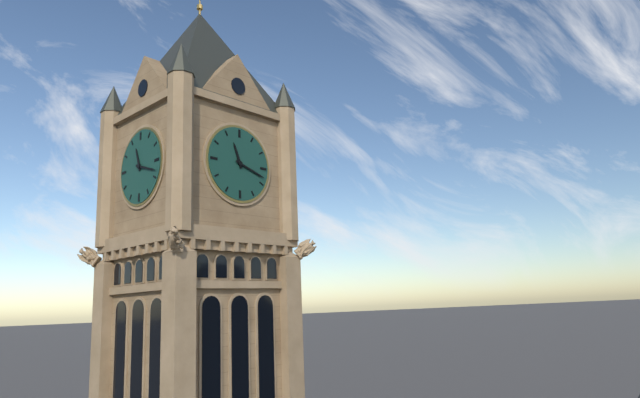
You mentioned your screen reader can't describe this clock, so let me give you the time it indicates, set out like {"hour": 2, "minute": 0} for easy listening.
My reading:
{"hour": 11, "minute": 18}
